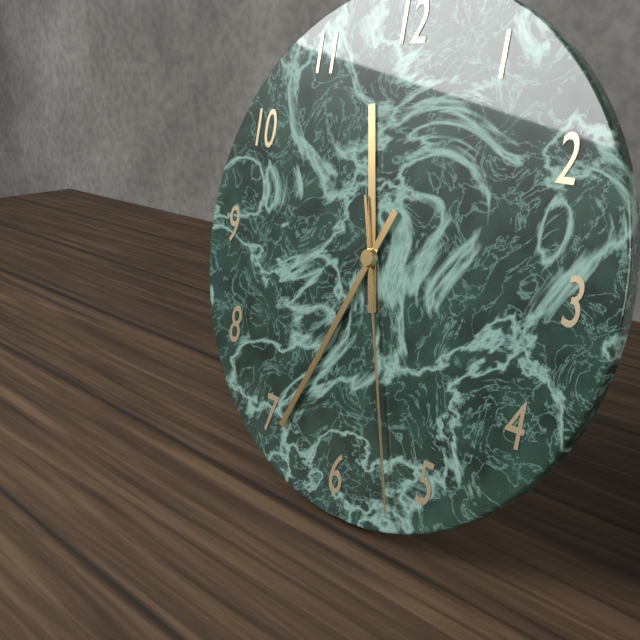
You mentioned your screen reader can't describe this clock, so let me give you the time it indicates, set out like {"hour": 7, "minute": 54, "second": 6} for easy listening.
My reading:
{"hour": 11, "minute": 34, "second": 27}
